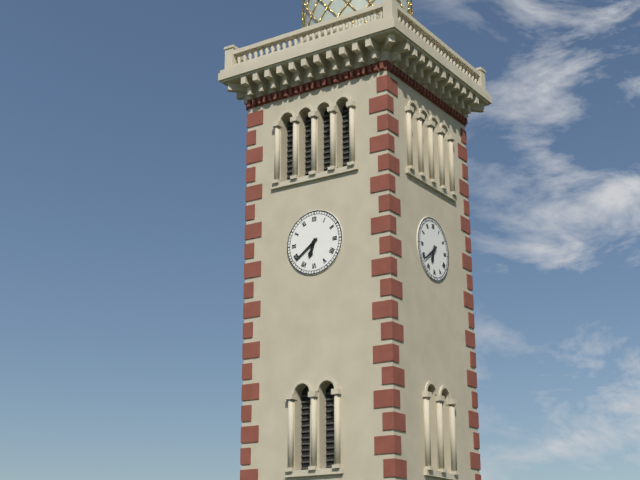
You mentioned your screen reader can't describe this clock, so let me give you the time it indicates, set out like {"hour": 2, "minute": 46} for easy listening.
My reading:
{"hour": 6, "minute": 39}
